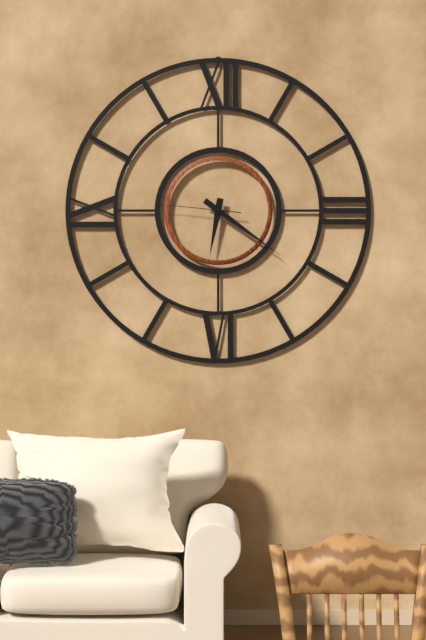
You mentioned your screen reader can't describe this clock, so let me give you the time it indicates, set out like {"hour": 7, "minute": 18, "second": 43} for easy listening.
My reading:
{"hour": 6, "minute": 21, "second": 46}
